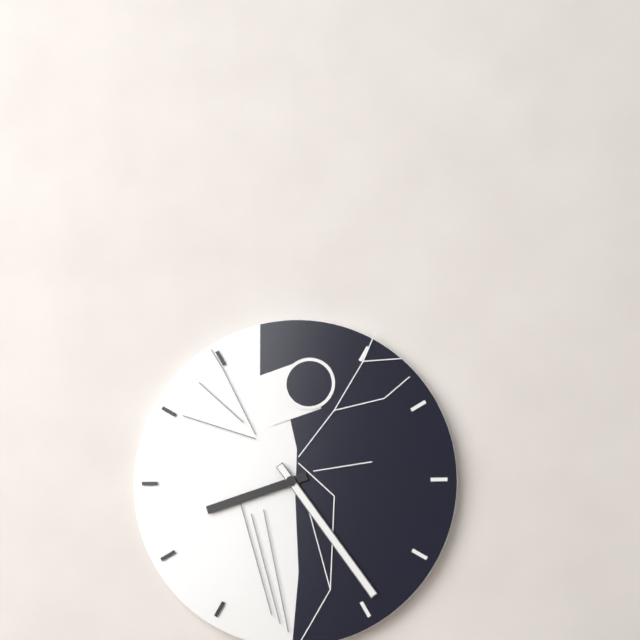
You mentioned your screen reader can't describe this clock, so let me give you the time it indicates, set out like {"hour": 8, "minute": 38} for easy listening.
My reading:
{"hour": 8, "minute": 24}
